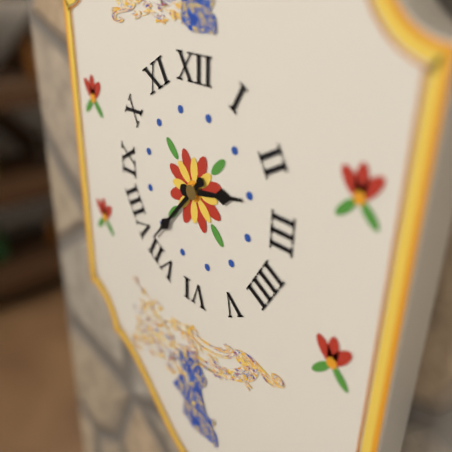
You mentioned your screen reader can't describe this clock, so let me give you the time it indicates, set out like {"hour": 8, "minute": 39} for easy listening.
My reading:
{"hour": 2, "minute": 37}
